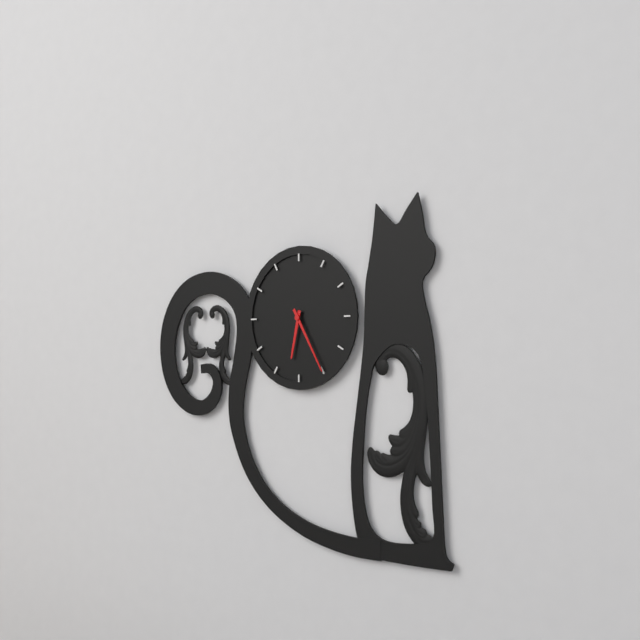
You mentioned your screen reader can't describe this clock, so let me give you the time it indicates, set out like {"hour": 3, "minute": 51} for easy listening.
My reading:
{"hour": 6, "minute": 25}
